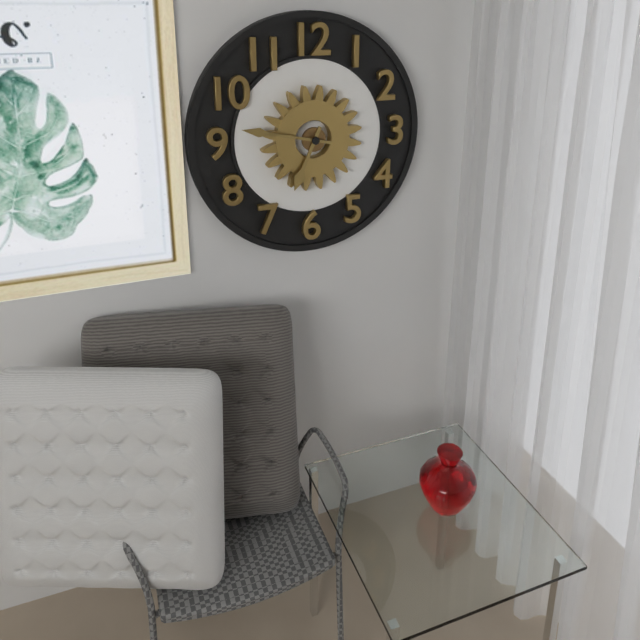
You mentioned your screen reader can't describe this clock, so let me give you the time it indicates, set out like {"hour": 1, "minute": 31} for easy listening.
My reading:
{"hour": 6, "minute": 47}
